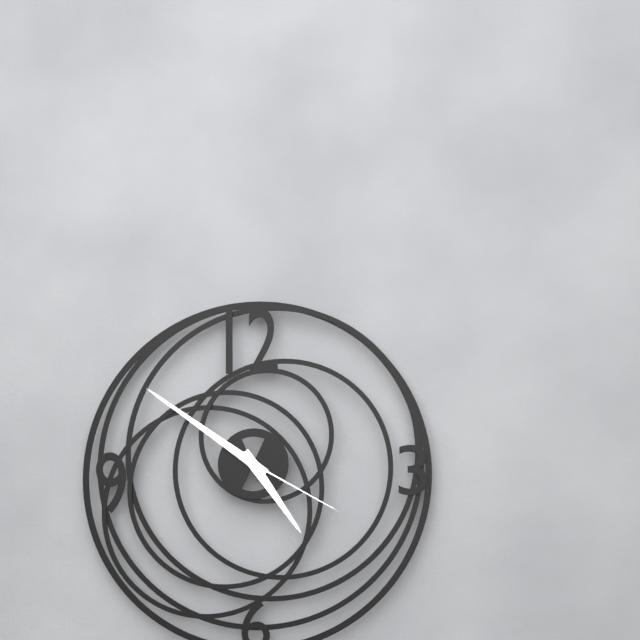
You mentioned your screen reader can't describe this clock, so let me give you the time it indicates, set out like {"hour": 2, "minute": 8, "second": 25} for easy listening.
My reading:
{"hour": 4, "minute": 51, "second": 20}
